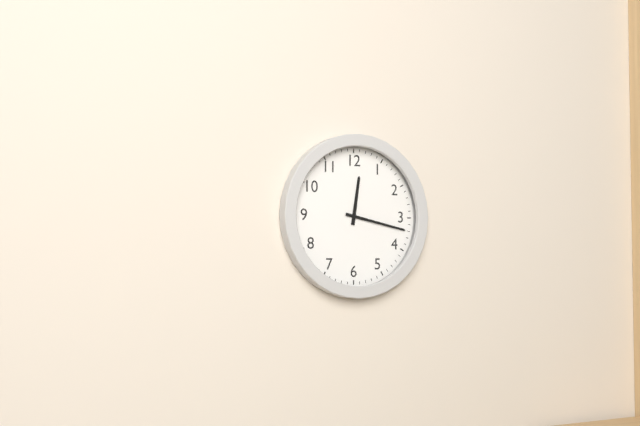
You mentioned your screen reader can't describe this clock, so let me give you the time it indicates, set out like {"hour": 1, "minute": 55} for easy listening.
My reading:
{"hour": 12, "minute": 17}
